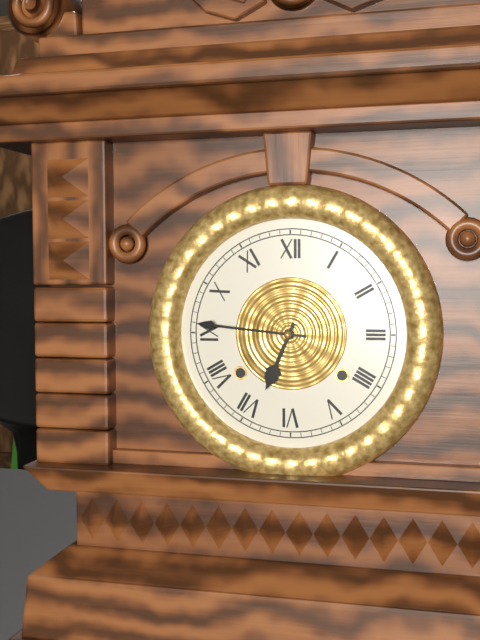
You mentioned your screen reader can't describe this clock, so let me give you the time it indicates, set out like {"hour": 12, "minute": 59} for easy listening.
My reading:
{"hour": 6, "minute": 46}
